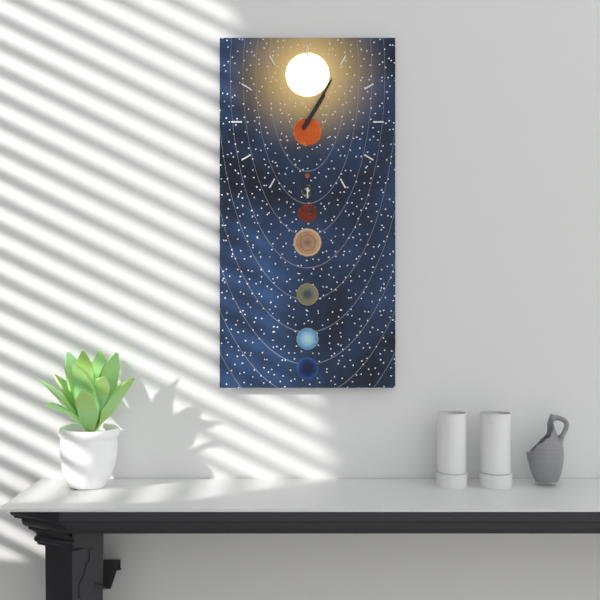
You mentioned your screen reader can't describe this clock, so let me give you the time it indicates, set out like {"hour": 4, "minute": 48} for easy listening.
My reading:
{"hour": 1, "minute": 5}
